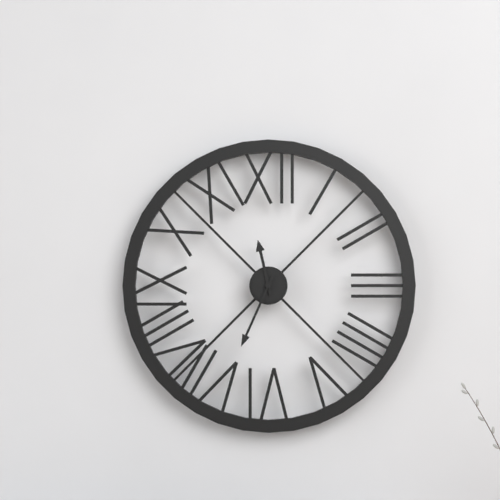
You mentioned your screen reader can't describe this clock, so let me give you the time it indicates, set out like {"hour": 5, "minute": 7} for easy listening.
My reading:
{"hour": 11, "minute": 34}
